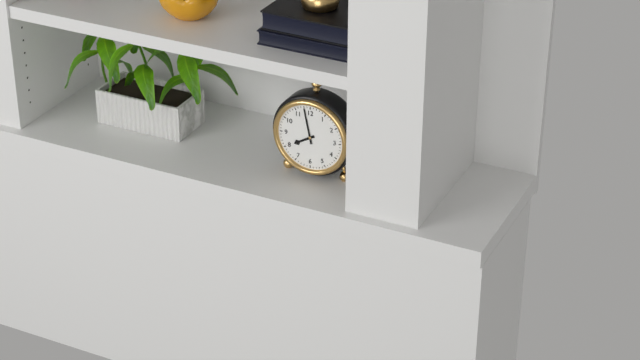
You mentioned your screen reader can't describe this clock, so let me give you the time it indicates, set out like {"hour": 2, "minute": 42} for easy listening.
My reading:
{"hour": 7, "minute": 58}
